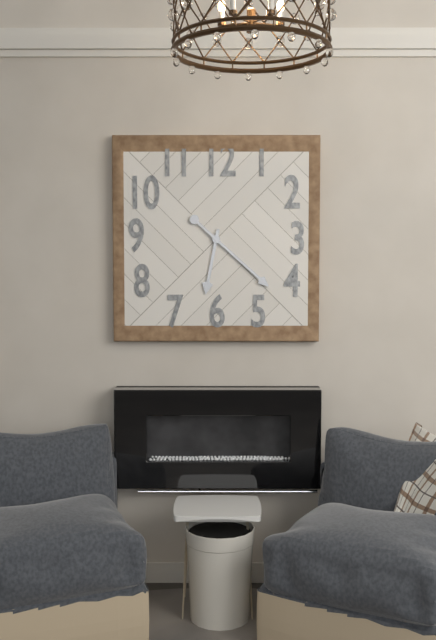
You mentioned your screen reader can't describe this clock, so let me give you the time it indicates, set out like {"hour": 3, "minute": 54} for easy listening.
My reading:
{"hour": 6, "minute": 22}
